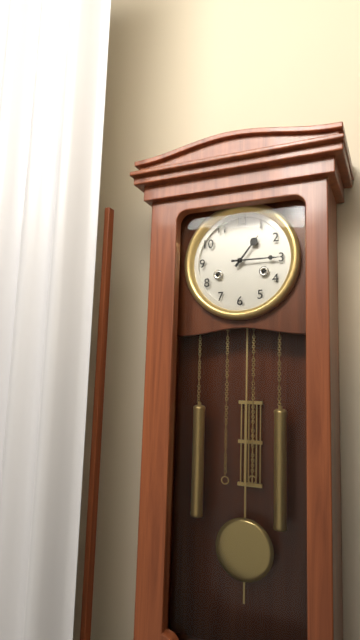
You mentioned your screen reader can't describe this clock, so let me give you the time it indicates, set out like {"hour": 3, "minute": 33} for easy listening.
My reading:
{"hour": 1, "minute": 15}
